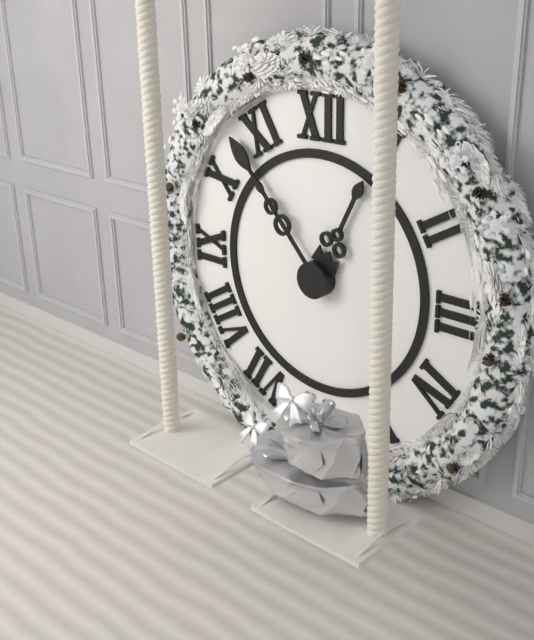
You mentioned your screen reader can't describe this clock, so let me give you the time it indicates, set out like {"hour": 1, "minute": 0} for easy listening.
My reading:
{"hour": 12, "minute": 53}
